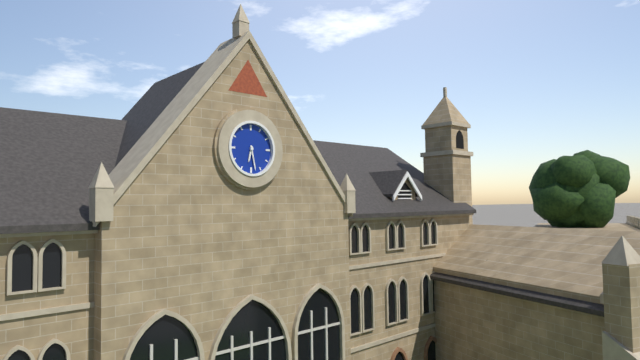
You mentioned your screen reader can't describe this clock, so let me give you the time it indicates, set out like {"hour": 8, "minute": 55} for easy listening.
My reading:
{"hour": 6, "minute": 28}
